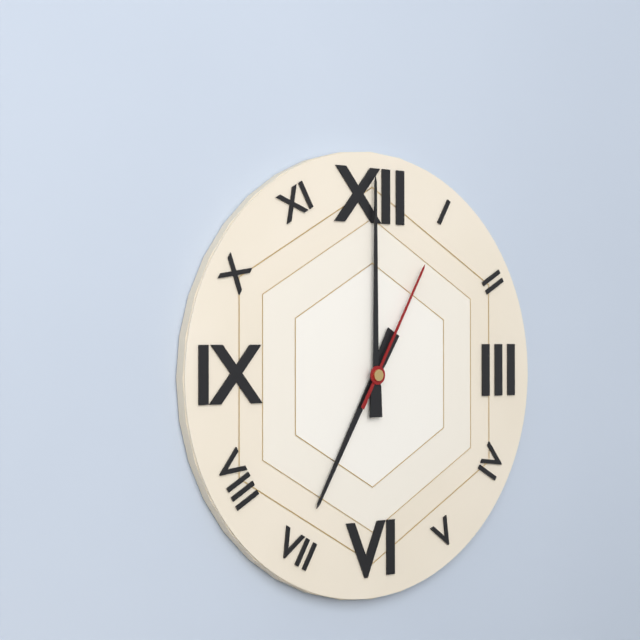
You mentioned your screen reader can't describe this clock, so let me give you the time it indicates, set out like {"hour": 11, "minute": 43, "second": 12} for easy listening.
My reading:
{"hour": 7, "minute": 0, "second": 5}
